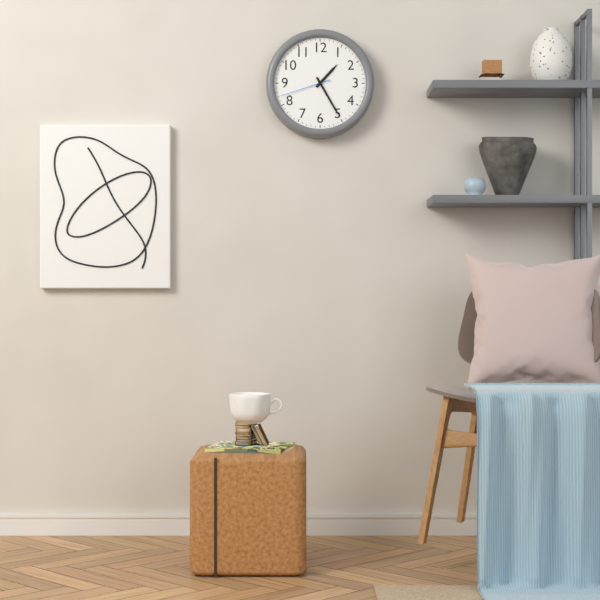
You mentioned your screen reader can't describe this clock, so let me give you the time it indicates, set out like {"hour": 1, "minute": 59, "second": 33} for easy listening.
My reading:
{"hour": 1, "minute": 25, "second": 42}
